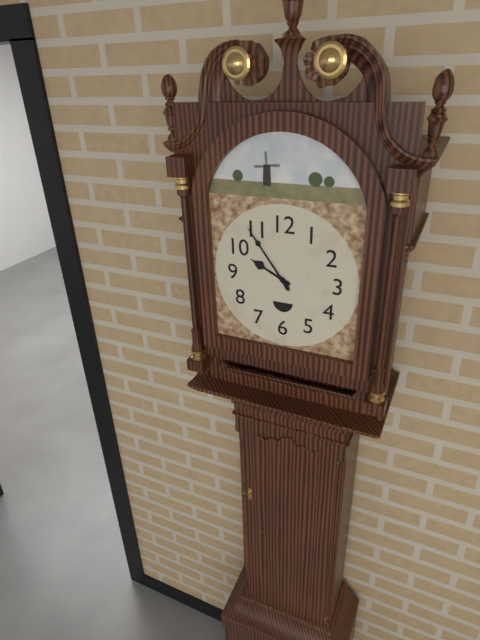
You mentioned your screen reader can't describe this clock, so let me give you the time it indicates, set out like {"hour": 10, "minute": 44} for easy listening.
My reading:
{"hour": 9, "minute": 54}
